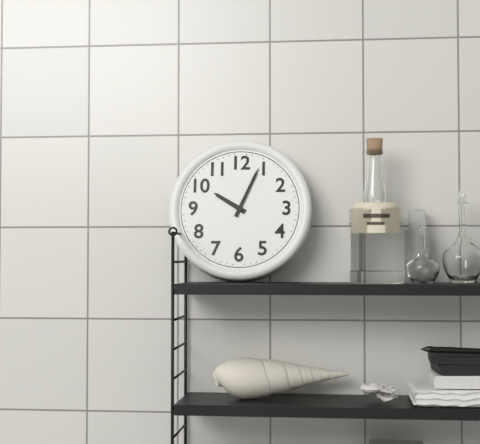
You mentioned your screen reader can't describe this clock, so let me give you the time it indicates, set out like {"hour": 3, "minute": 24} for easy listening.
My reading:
{"hour": 10, "minute": 4}
